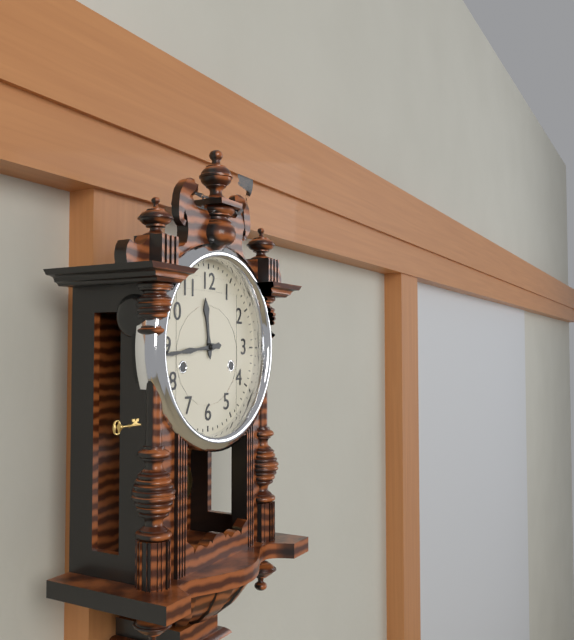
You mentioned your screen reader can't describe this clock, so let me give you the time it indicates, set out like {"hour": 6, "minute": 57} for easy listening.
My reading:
{"hour": 11, "minute": 44}
